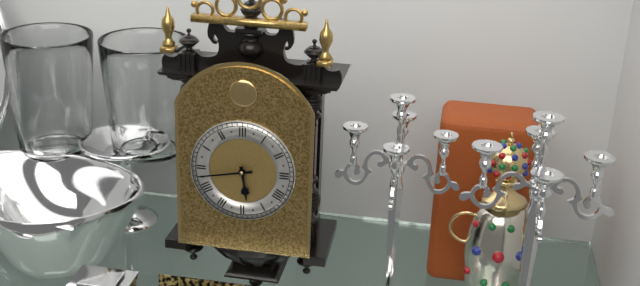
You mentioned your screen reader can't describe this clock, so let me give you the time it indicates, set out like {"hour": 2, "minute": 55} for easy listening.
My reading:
{"hour": 5, "minute": 43}
